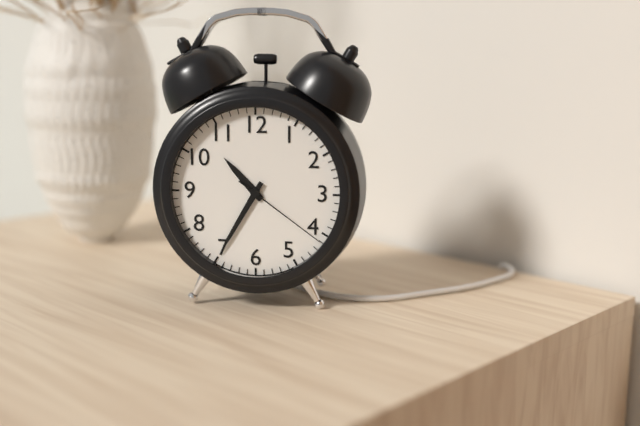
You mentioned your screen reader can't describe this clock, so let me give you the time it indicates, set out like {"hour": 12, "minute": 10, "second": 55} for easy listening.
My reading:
{"hour": 10, "minute": 35, "second": 21}
